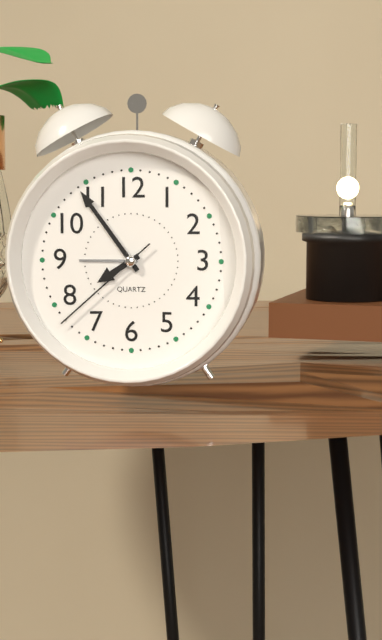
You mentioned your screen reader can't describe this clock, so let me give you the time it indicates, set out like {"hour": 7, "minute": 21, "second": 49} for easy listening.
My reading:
{"hour": 7, "minute": 54, "second": 38}
